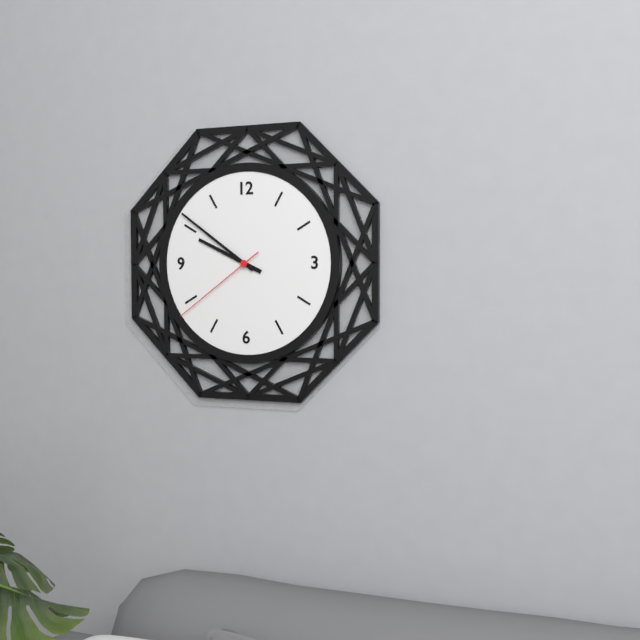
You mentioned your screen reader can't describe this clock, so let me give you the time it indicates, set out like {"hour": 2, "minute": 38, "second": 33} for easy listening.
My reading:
{"hour": 9, "minute": 51, "second": 39}
